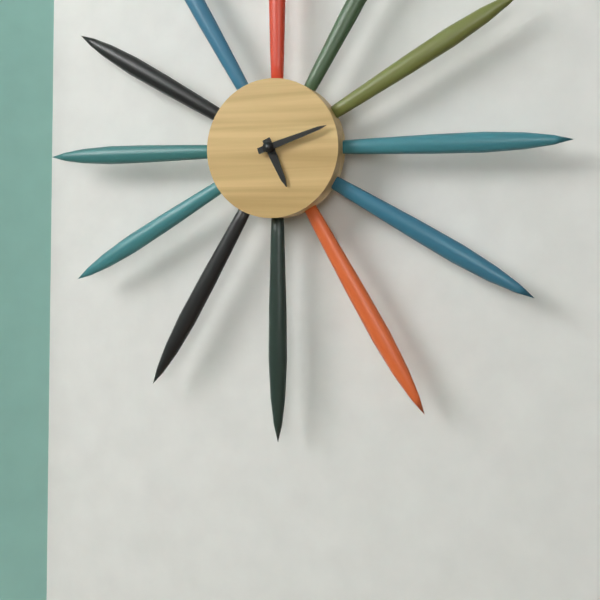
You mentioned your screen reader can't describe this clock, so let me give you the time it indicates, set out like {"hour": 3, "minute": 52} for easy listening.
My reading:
{"hour": 5, "minute": 12}
